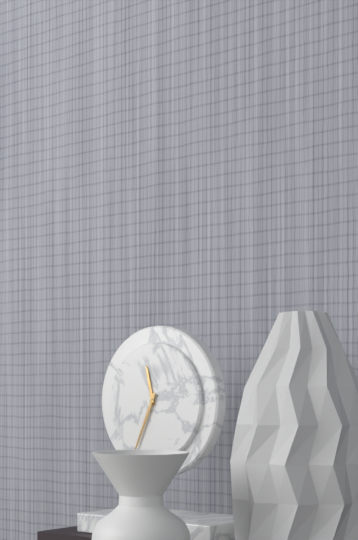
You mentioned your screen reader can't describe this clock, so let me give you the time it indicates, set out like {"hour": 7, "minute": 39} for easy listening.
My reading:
{"hour": 11, "minute": 34}
